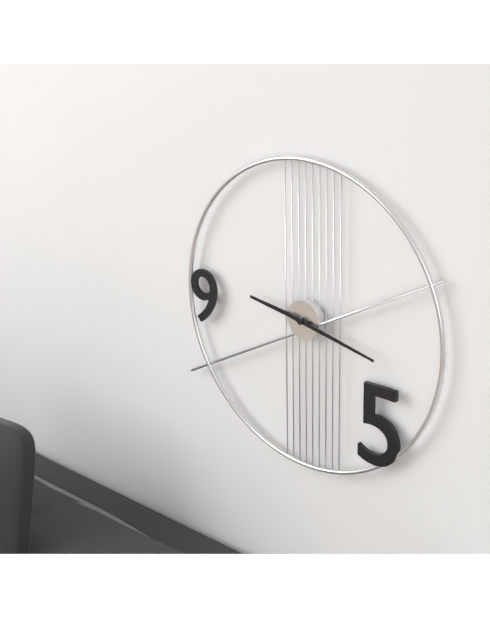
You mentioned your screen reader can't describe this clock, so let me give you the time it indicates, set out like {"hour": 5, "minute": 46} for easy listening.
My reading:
{"hour": 9, "minute": 17}
